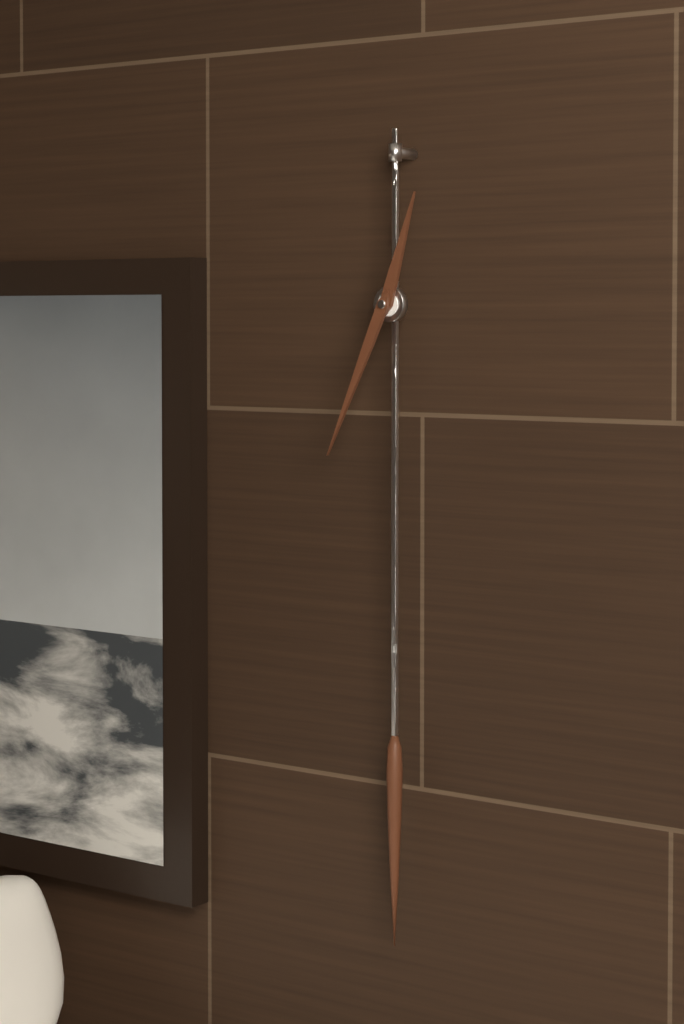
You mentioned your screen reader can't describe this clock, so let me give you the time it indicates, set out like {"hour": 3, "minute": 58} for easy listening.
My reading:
{"hour": 12, "minute": 34}
